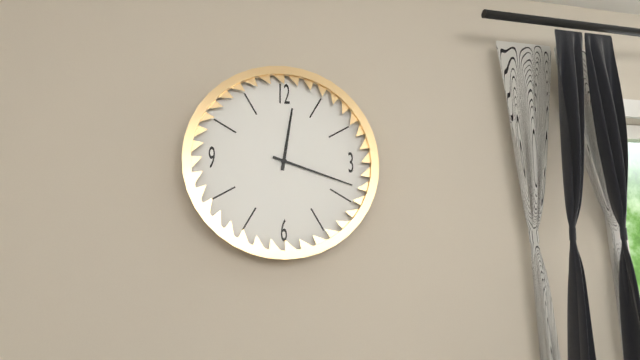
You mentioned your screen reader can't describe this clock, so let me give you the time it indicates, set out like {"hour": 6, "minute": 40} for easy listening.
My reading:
{"hour": 12, "minute": 18}
